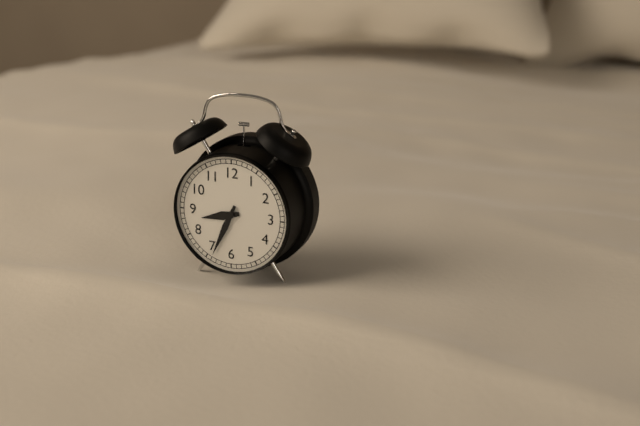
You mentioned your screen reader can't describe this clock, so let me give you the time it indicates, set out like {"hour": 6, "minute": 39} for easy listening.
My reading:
{"hour": 8, "minute": 34}
